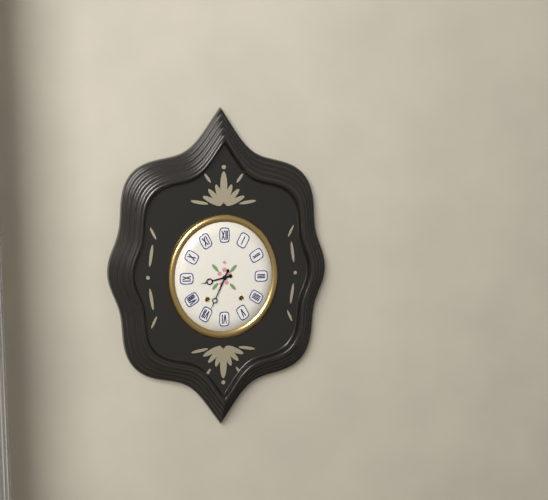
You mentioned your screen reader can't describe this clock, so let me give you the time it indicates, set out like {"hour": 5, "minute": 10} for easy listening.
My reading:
{"hour": 8, "minute": 34}
